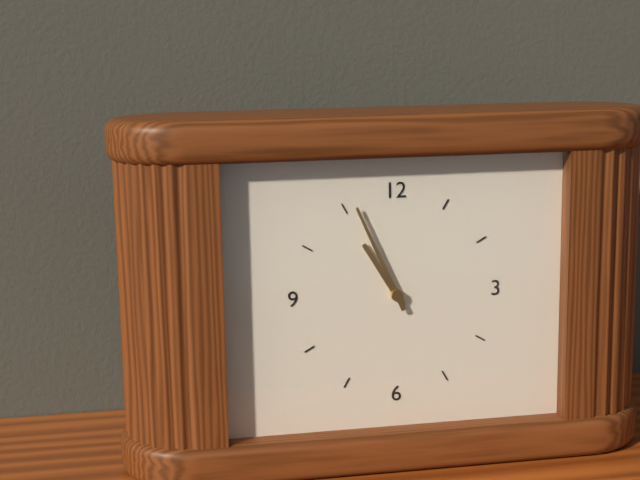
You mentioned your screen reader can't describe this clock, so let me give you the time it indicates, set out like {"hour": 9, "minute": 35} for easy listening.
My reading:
{"hour": 10, "minute": 56}
